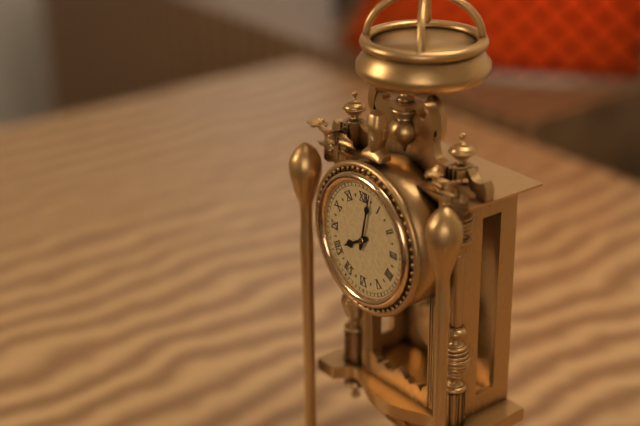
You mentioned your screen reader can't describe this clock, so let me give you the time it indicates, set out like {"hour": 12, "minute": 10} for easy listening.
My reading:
{"hour": 8, "minute": 2}
